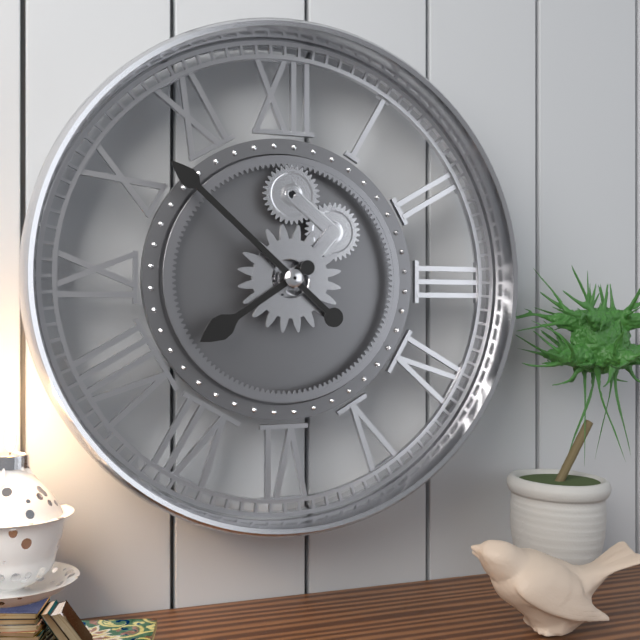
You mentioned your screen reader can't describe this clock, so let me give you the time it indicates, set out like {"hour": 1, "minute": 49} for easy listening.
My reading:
{"hour": 7, "minute": 52}
